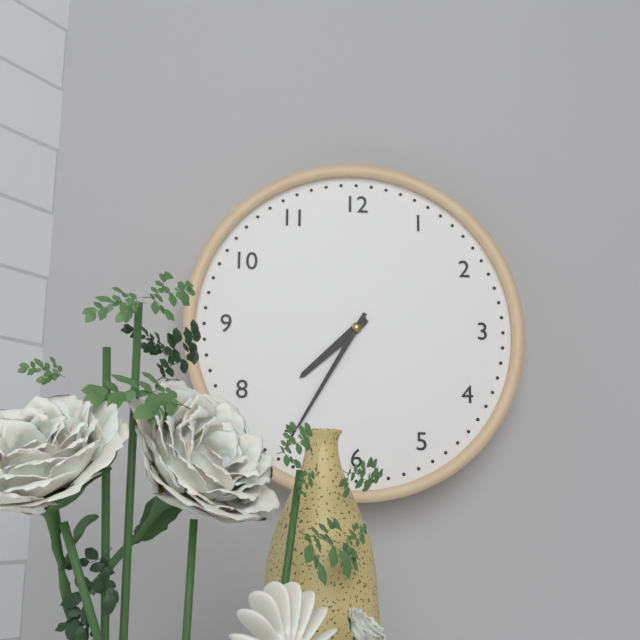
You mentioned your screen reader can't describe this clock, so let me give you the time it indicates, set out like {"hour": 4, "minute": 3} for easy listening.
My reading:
{"hour": 7, "minute": 35}
